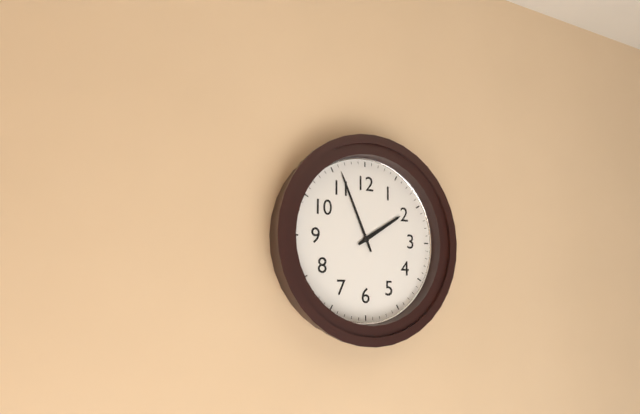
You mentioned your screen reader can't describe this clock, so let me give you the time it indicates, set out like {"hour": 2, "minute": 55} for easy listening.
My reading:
{"hour": 1, "minute": 56}
